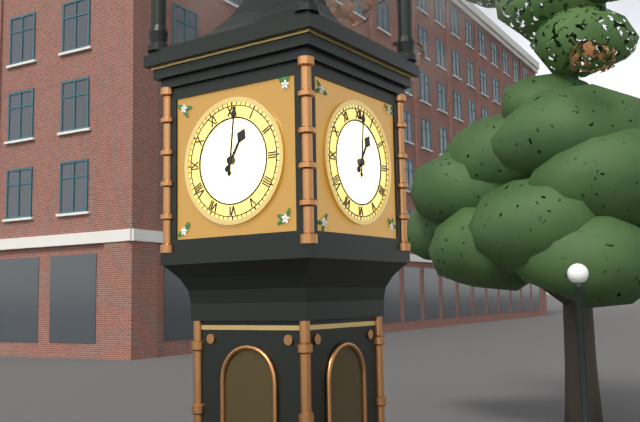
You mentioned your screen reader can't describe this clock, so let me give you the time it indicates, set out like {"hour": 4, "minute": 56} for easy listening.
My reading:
{"hour": 1, "minute": 1}
